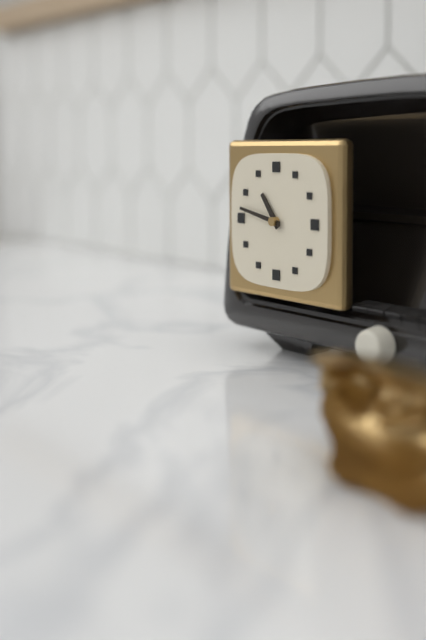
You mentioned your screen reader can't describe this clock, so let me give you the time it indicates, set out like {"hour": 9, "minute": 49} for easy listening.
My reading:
{"hour": 10, "minute": 47}
